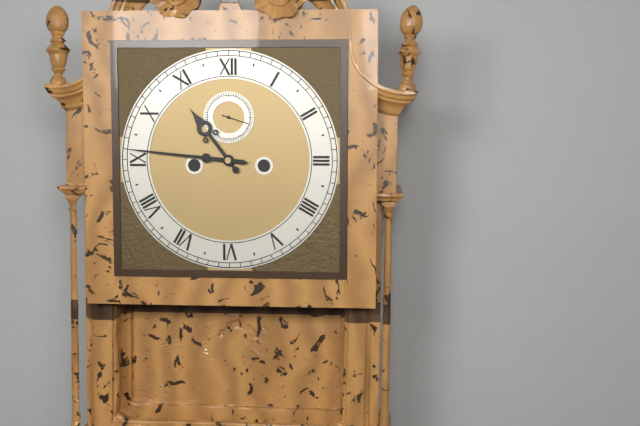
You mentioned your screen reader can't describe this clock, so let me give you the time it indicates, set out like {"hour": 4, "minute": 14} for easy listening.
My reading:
{"hour": 10, "minute": 46}
